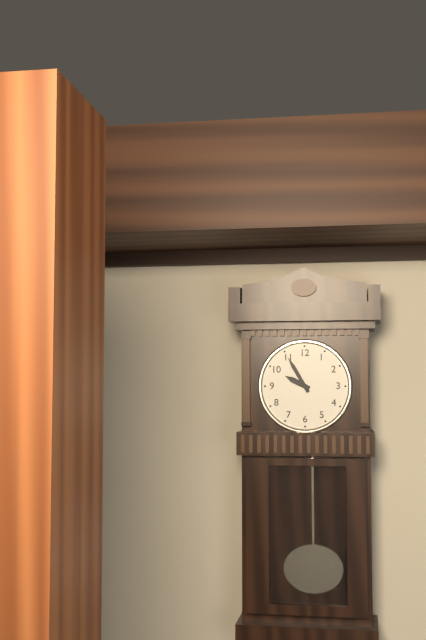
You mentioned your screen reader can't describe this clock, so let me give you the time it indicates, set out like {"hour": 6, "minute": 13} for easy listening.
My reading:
{"hour": 9, "minute": 55}
